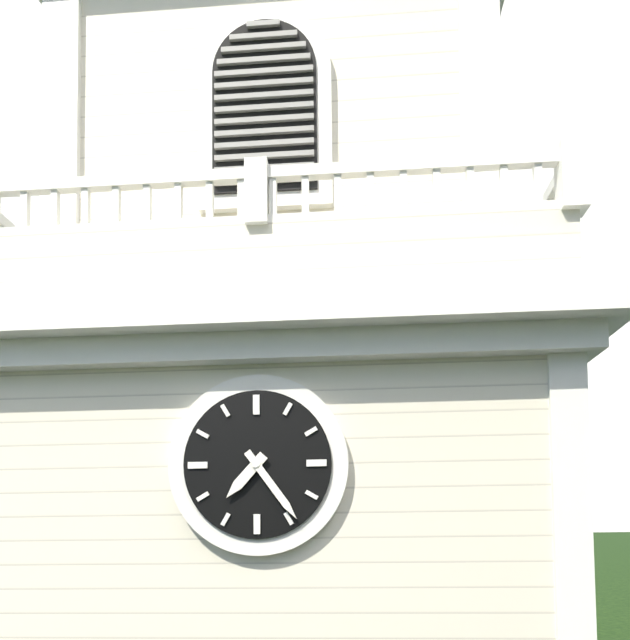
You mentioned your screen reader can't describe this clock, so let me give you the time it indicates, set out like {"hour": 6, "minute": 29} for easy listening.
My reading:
{"hour": 7, "minute": 24}
